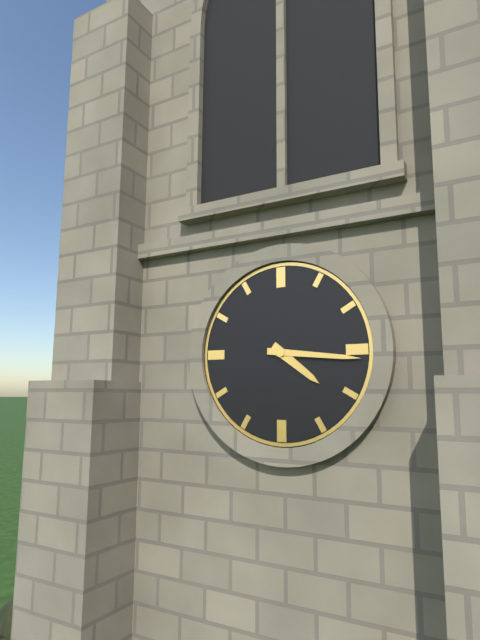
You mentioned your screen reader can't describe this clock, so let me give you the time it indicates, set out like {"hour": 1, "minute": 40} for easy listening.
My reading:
{"hour": 4, "minute": 16}
